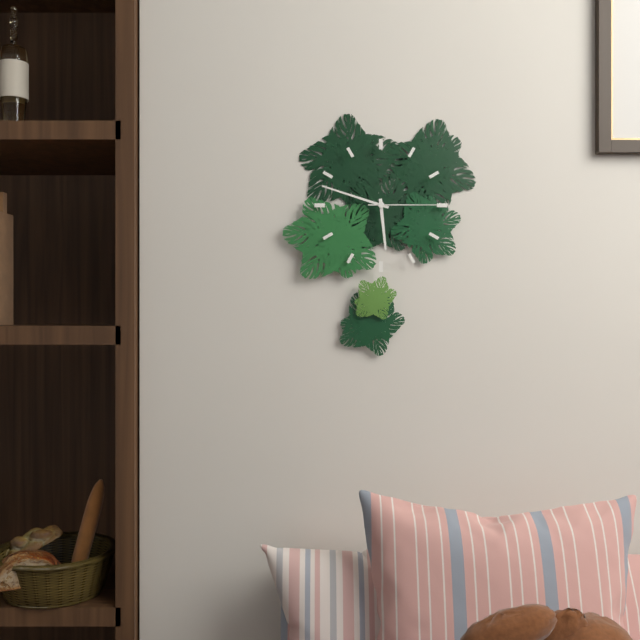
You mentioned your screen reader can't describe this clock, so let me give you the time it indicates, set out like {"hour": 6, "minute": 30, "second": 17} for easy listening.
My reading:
{"hour": 5, "minute": 48, "second": 15}
